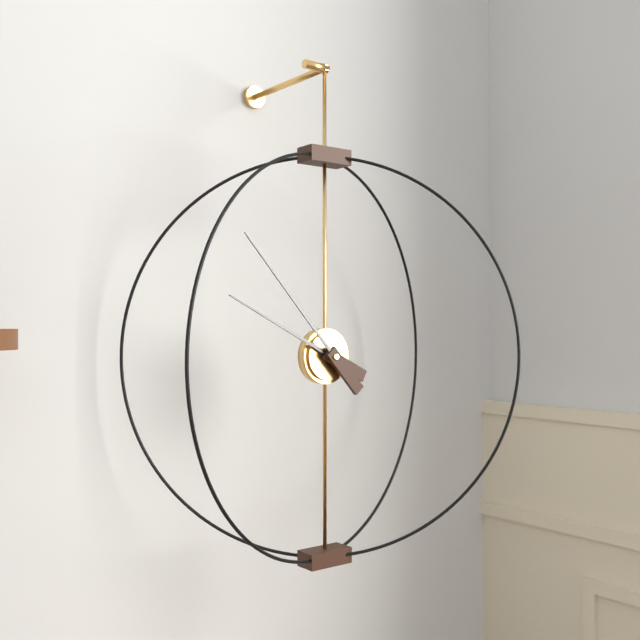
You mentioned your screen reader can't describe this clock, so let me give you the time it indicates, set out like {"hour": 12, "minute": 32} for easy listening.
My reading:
{"hour": 9, "minute": 53}
